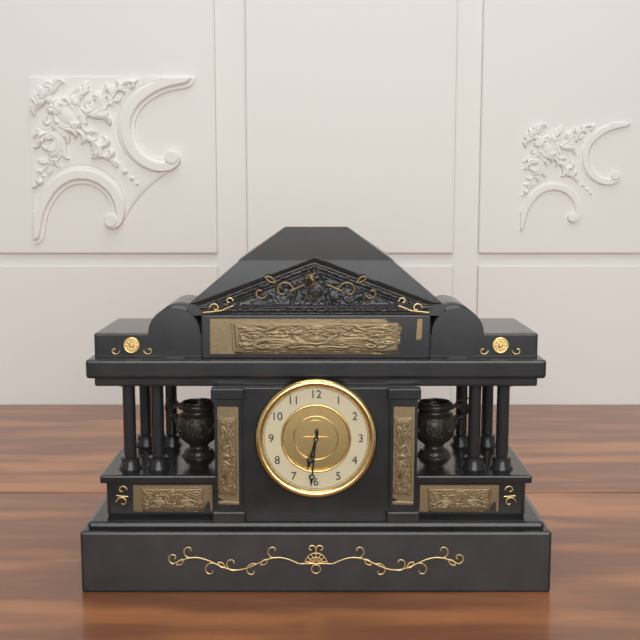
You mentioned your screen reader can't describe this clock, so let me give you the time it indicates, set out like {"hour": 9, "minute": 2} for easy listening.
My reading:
{"hour": 6, "minute": 31}
